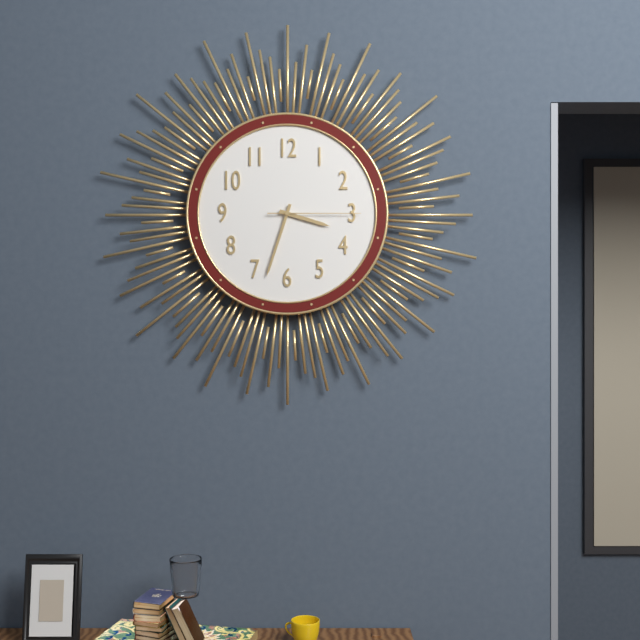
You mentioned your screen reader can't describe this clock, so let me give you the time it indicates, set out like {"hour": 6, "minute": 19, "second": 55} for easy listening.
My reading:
{"hour": 3, "minute": 33, "second": 15}
